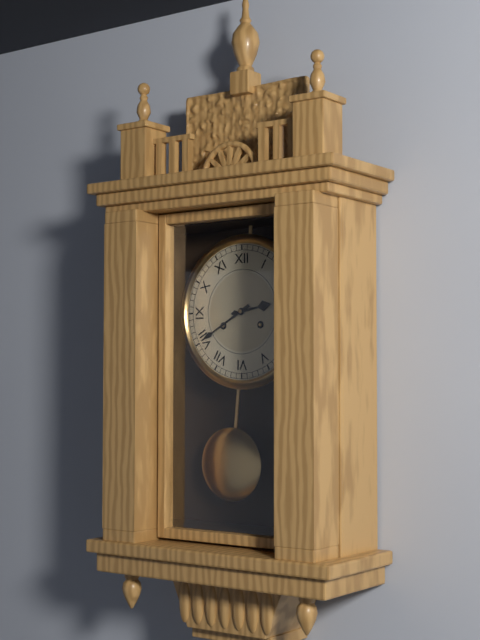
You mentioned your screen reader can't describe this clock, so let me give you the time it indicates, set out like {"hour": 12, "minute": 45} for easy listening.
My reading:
{"hour": 2, "minute": 40}
